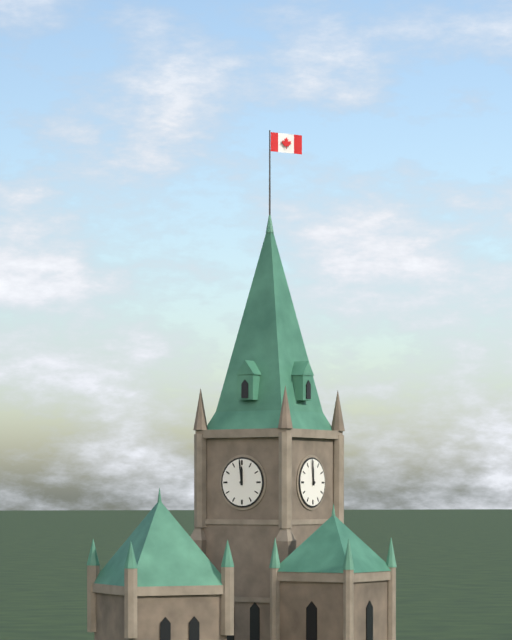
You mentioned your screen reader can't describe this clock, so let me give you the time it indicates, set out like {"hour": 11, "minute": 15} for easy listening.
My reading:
{"hour": 11, "minute": 59}
